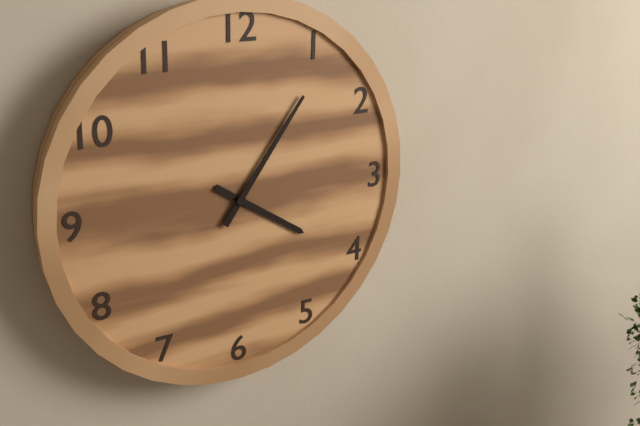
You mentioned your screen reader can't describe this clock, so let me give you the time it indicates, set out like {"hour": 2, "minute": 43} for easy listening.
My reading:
{"hour": 4, "minute": 6}
